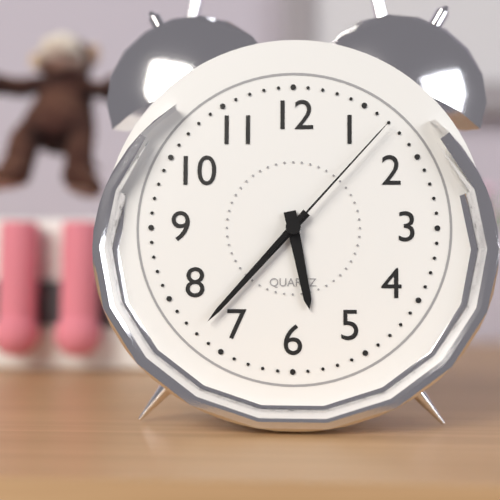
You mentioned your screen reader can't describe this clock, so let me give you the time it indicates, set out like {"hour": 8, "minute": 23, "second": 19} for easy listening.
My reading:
{"hour": 5, "minute": 37, "second": 7}
